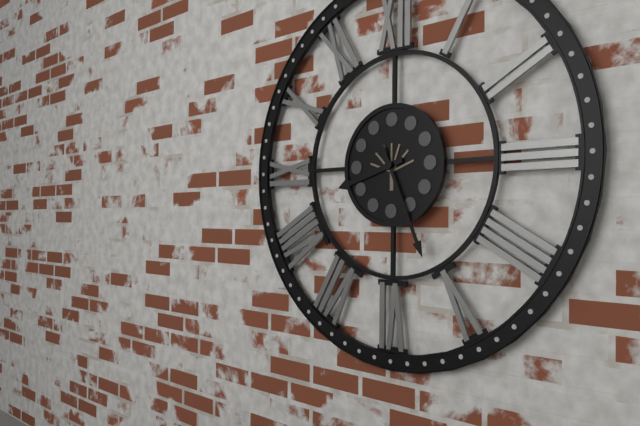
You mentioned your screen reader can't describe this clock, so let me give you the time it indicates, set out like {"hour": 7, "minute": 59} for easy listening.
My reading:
{"hour": 8, "minute": 26}
